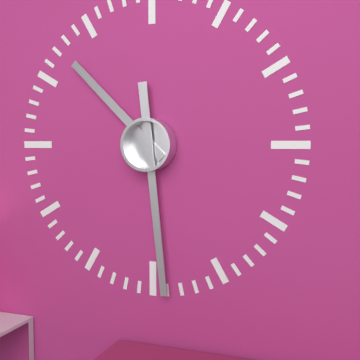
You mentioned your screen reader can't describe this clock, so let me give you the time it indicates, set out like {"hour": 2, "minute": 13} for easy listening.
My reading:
{"hour": 10, "minute": 29}
